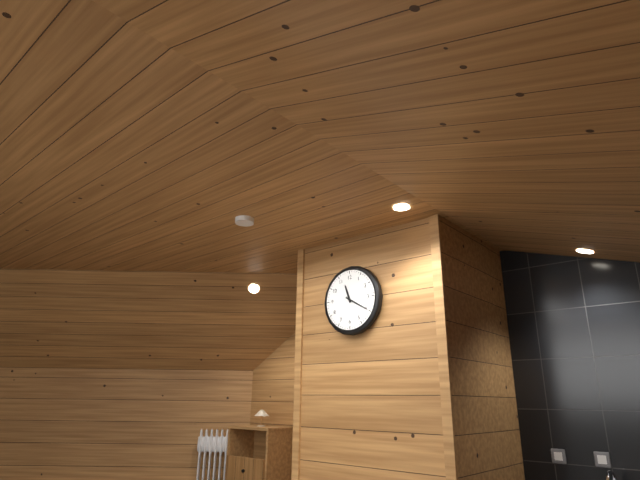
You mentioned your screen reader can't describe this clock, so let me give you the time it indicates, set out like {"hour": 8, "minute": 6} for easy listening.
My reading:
{"hour": 11, "minute": 20}
